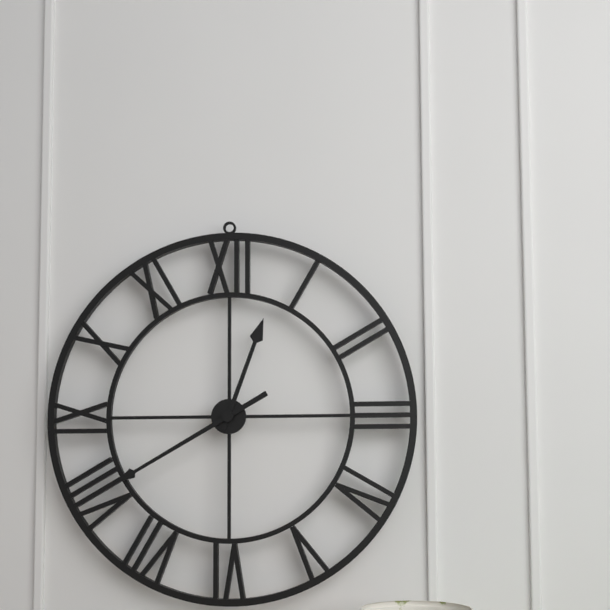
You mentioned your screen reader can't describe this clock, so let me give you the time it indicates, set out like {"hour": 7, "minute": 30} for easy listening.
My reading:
{"hour": 12, "minute": 40}
